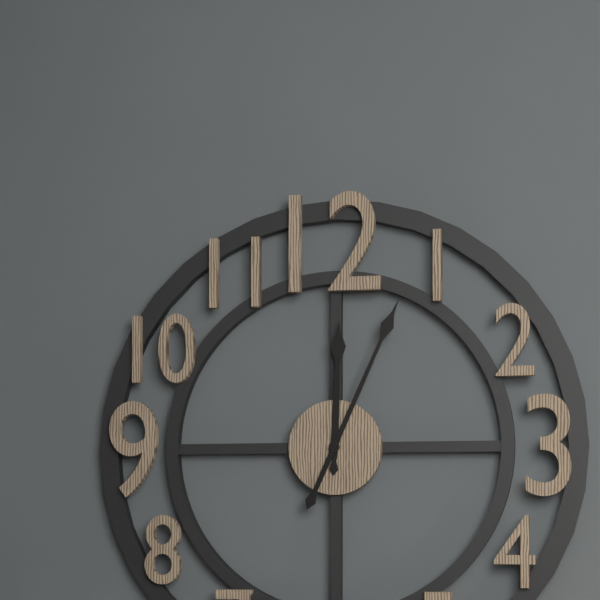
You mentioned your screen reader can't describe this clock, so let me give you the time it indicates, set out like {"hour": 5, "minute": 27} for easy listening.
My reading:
{"hour": 12, "minute": 4}
